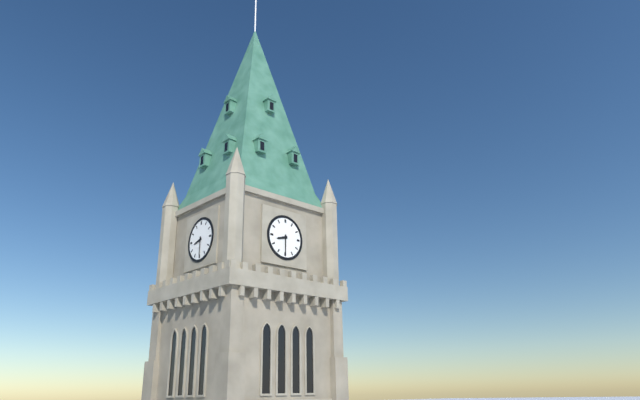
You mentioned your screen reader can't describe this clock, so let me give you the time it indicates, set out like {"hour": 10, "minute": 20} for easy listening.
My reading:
{"hour": 8, "minute": 30}
